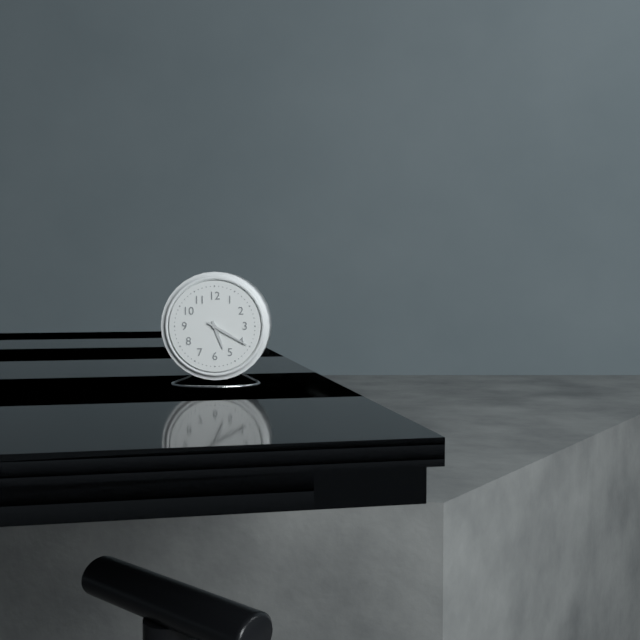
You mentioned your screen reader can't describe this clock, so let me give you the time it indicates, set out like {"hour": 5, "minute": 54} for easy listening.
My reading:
{"hour": 5, "minute": 20}
